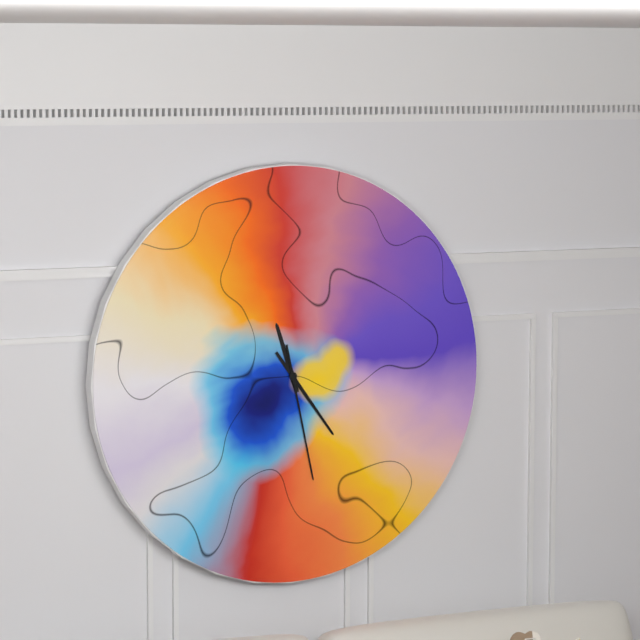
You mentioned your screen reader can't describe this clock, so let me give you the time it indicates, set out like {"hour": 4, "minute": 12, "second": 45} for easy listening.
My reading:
{"hour": 11, "minute": 24, "second": 28}
